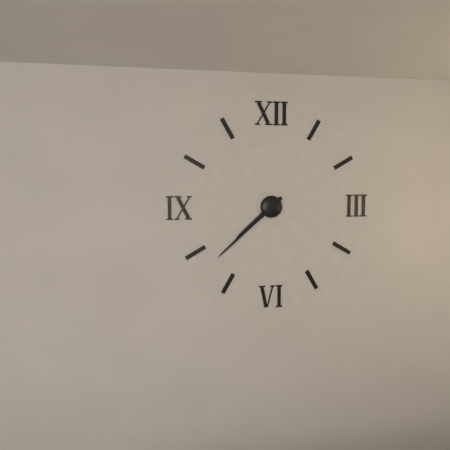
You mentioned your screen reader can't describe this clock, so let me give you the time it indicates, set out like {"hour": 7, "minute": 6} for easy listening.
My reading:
{"hour": 7, "minute": 38}
